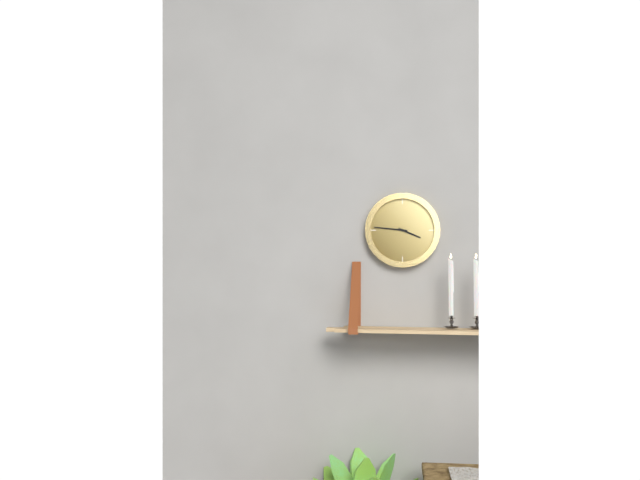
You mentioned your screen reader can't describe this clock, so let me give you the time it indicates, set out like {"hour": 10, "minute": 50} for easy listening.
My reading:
{"hour": 3, "minute": 46}
